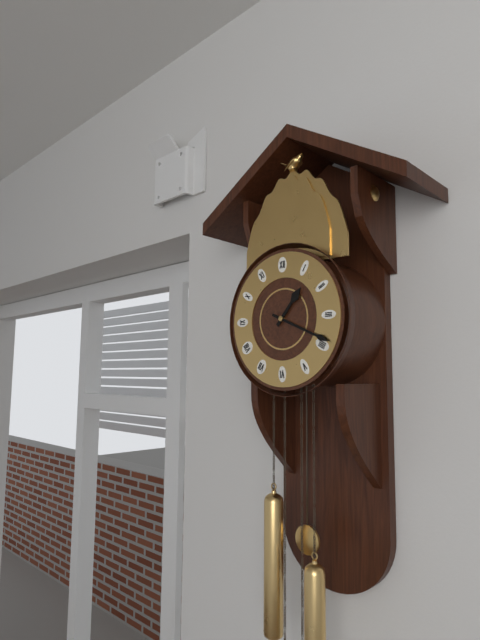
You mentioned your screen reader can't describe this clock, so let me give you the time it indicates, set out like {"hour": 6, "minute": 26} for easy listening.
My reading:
{"hour": 1, "minute": 19}
